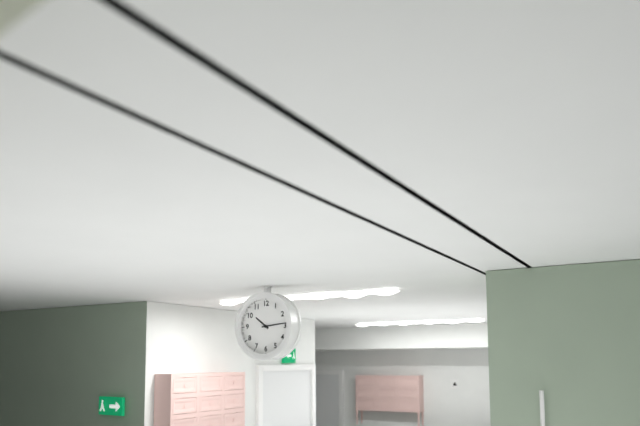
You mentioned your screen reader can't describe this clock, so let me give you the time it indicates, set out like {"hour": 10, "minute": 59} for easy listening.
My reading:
{"hour": 10, "minute": 14}
